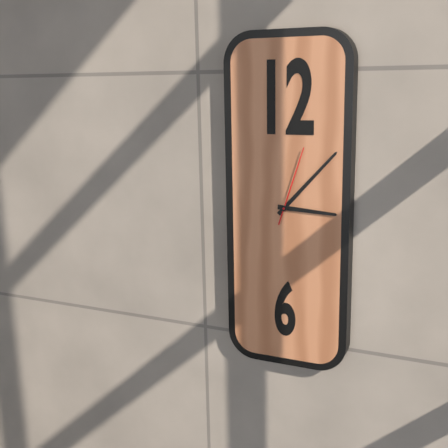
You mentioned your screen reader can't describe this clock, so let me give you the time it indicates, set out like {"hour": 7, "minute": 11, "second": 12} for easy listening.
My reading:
{"hour": 3, "minute": 7, "second": 3}
